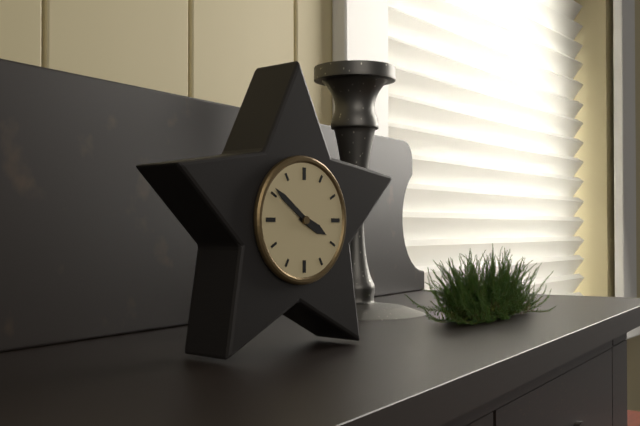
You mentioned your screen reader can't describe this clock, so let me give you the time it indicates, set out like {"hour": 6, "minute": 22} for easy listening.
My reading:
{"hour": 3, "minute": 51}
